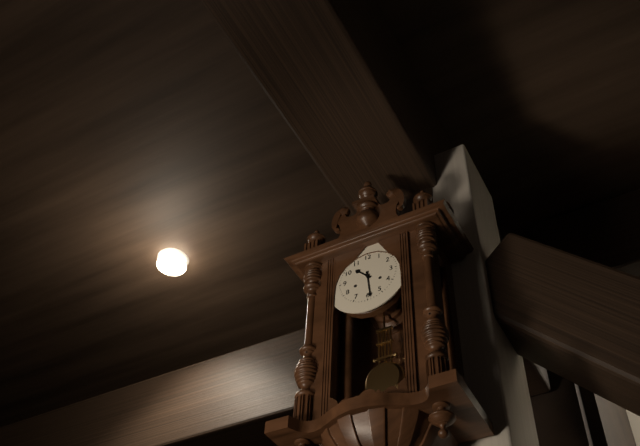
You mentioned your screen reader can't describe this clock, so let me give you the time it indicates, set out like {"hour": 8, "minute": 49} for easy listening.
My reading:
{"hour": 10, "minute": 29}
